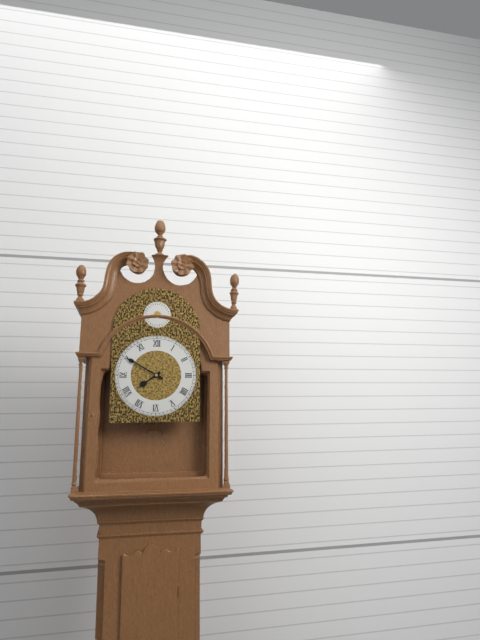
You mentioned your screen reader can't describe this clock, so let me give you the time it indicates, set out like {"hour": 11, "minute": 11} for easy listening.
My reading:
{"hour": 7, "minute": 50}
